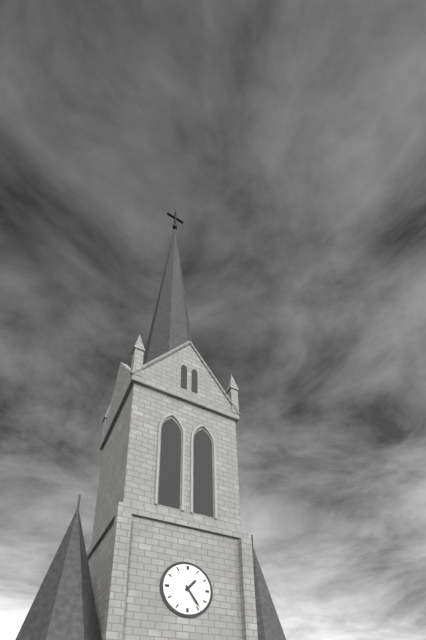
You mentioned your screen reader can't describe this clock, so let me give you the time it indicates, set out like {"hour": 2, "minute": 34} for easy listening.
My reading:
{"hour": 1, "minute": 24}
